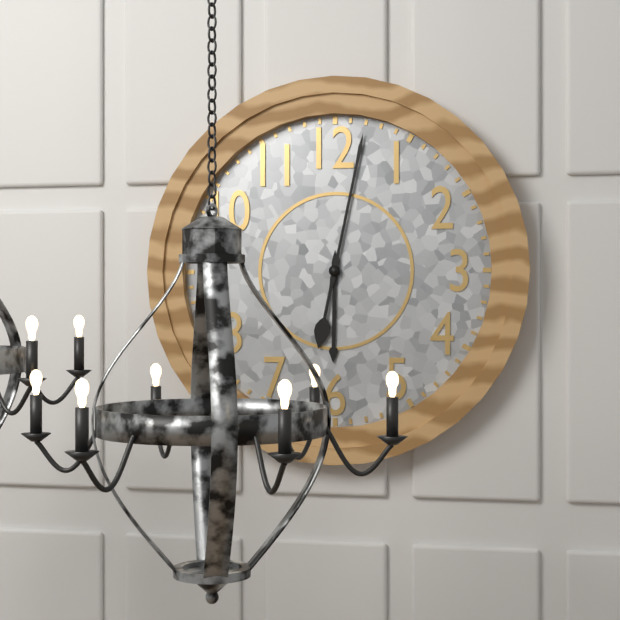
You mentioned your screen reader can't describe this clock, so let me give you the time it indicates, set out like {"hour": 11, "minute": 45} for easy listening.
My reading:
{"hour": 6, "minute": 2}
